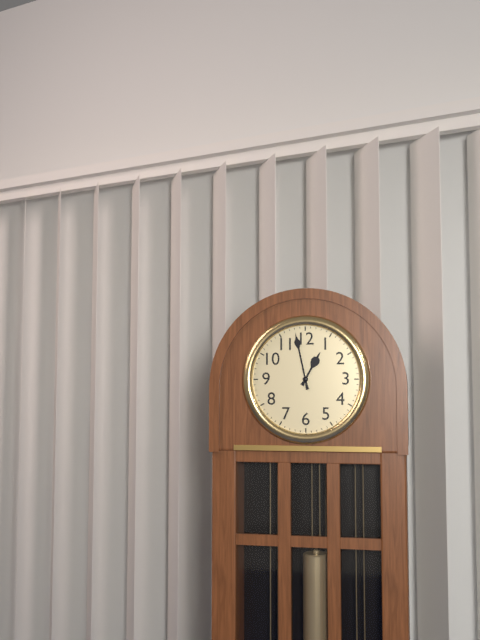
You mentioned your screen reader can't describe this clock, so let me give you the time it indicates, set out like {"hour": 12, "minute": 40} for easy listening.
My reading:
{"hour": 12, "minute": 58}
